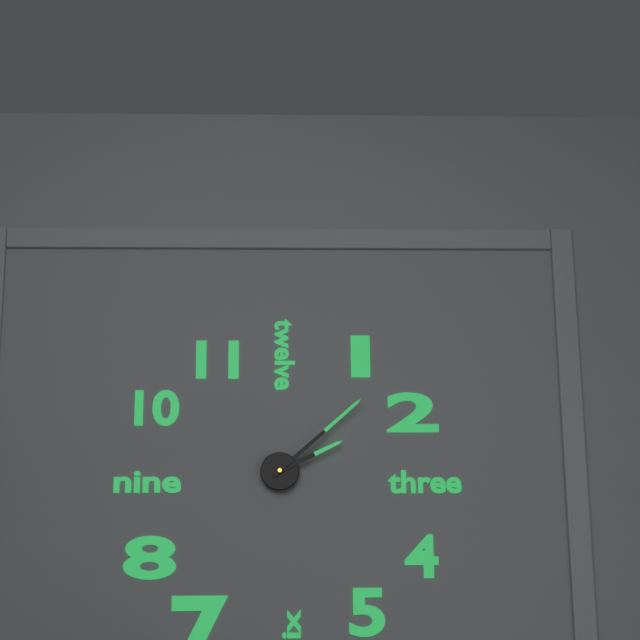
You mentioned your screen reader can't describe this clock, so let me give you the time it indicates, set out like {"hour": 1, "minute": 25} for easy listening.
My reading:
{"hour": 2, "minute": 8}
